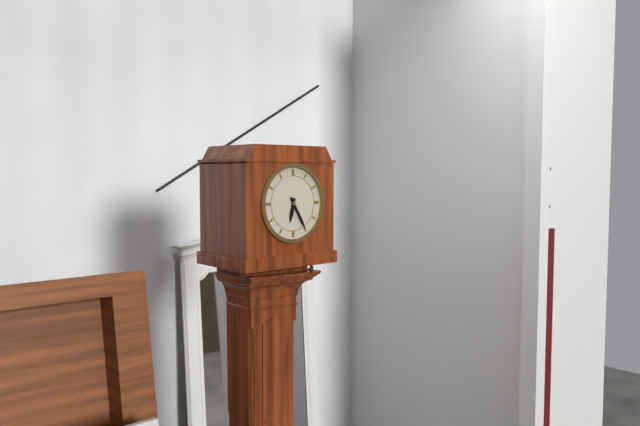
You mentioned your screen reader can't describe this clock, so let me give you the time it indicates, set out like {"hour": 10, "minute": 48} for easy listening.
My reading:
{"hour": 6, "minute": 25}
